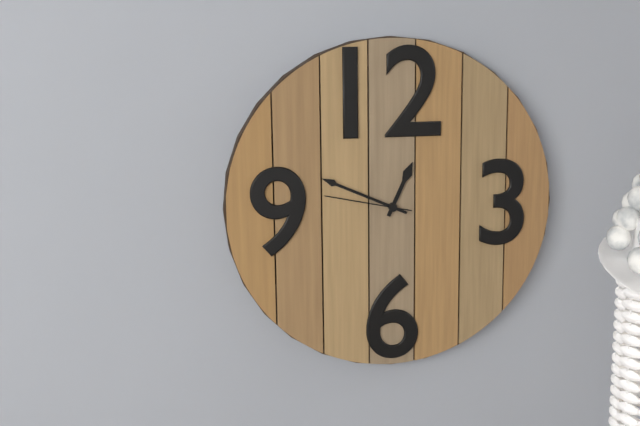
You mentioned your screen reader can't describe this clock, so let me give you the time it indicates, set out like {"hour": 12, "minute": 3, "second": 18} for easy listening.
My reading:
{"hour": 12, "minute": 49, "second": 47}
